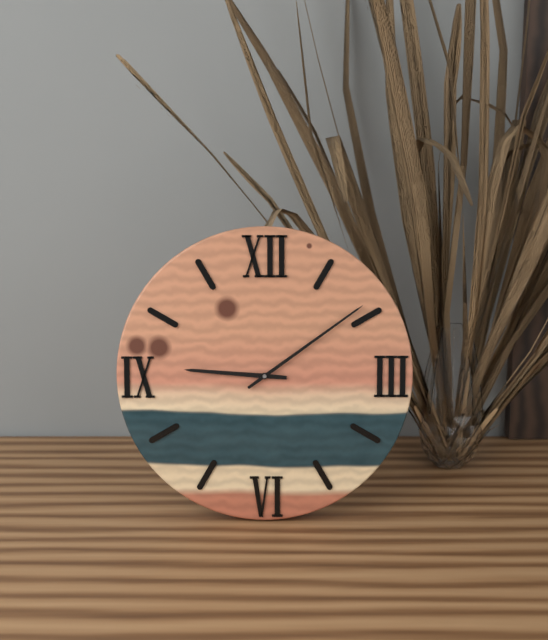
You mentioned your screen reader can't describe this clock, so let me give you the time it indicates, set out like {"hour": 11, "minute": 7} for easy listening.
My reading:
{"hour": 9, "minute": 9}
